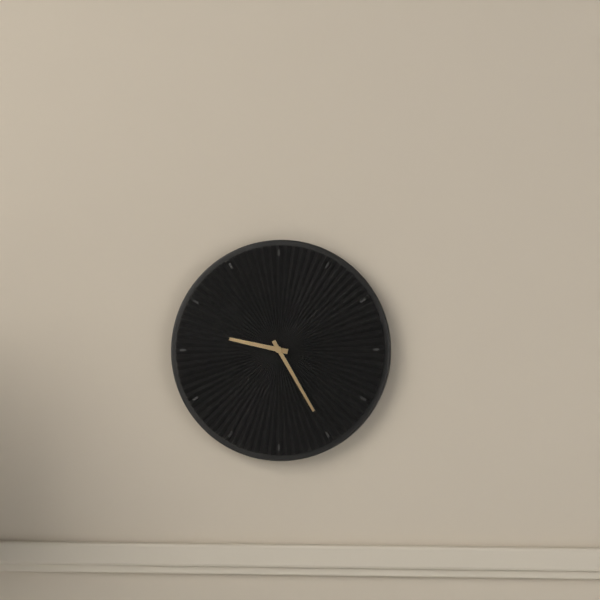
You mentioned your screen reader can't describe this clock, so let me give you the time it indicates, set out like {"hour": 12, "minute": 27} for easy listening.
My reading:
{"hour": 9, "minute": 25}
